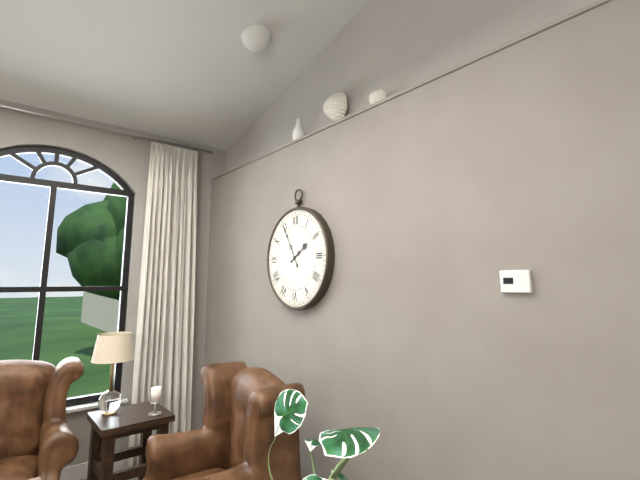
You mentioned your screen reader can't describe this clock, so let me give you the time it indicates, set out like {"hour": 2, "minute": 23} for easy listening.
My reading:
{"hour": 1, "minute": 55}
